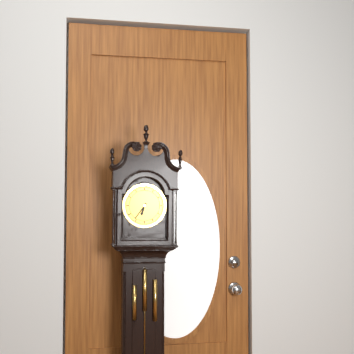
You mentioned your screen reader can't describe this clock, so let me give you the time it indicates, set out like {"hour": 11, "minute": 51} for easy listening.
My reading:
{"hour": 6, "minute": 36}
